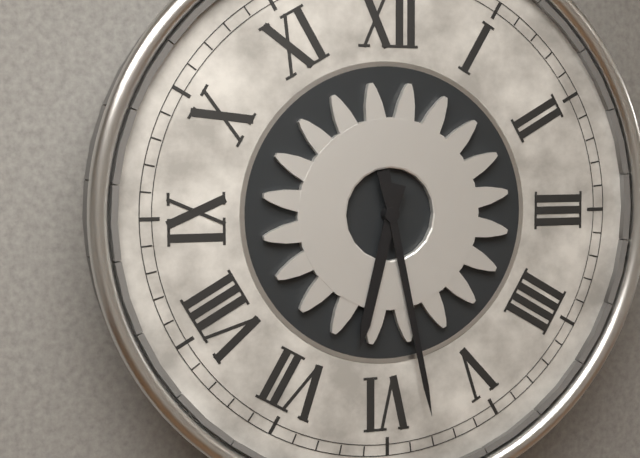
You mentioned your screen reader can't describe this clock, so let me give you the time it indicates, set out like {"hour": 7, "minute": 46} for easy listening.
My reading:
{"hour": 6, "minute": 28}
